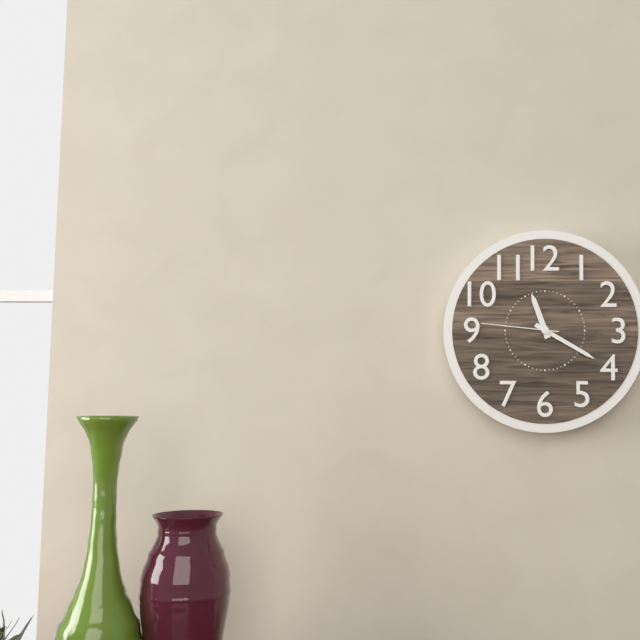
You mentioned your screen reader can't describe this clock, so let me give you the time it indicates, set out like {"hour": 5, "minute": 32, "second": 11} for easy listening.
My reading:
{"hour": 11, "minute": 20, "second": 46}
